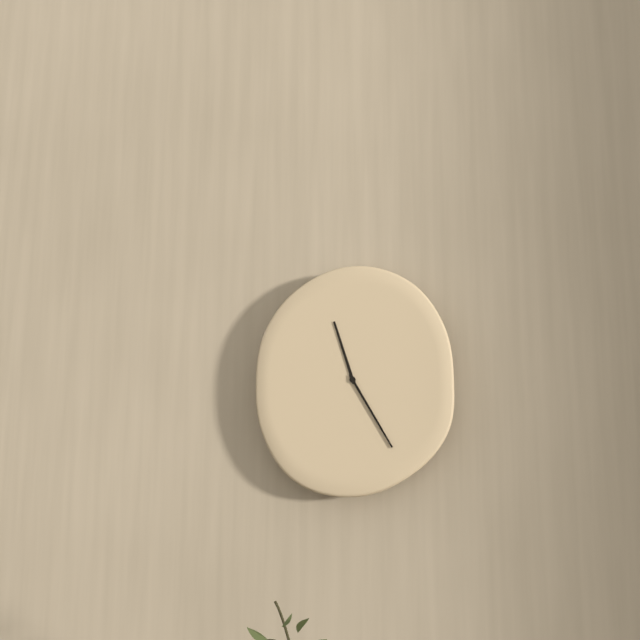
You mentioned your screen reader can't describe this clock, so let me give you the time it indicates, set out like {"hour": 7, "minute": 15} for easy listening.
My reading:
{"hour": 11, "minute": 25}
